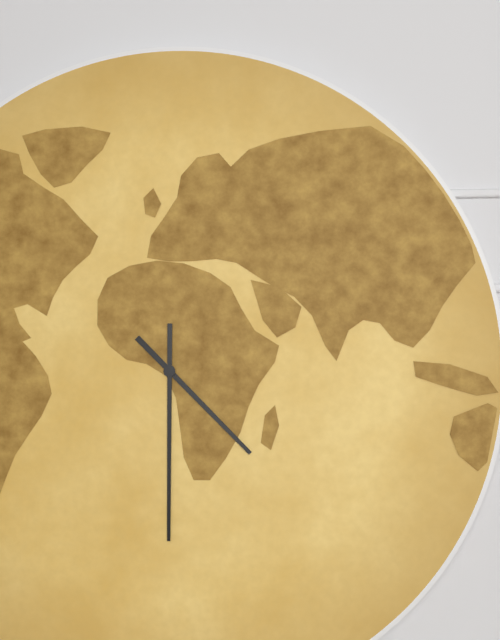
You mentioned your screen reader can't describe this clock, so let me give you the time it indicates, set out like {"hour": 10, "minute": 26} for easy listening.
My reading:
{"hour": 4, "minute": 30}
